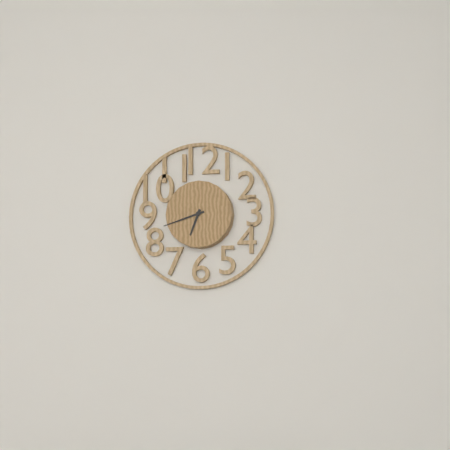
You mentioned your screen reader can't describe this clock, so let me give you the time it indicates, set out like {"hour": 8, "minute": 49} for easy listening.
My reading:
{"hour": 6, "minute": 42}
